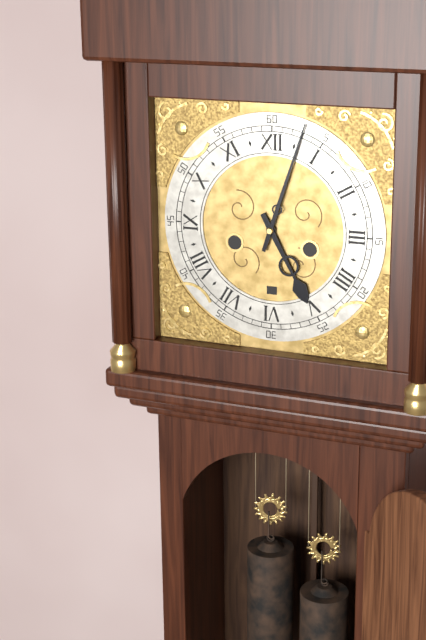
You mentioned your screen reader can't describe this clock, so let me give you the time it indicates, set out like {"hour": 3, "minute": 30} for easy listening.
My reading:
{"hour": 5, "minute": 3}
